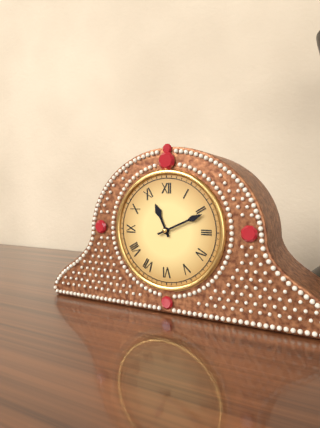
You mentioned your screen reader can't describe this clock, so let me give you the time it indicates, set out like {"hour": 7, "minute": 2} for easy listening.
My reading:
{"hour": 11, "minute": 11}
